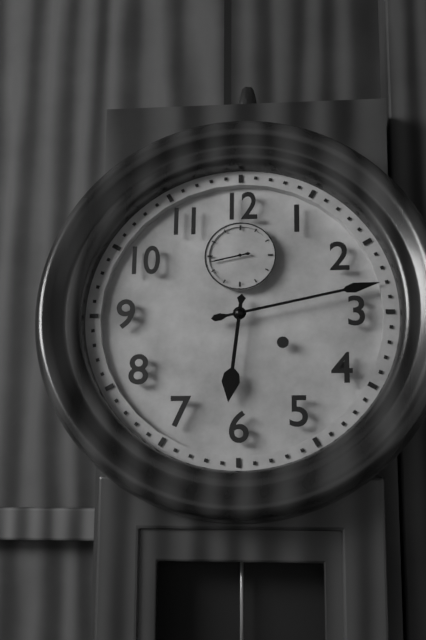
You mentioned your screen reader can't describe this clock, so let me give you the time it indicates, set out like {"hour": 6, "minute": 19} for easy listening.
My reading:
{"hour": 6, "minute": 13}
